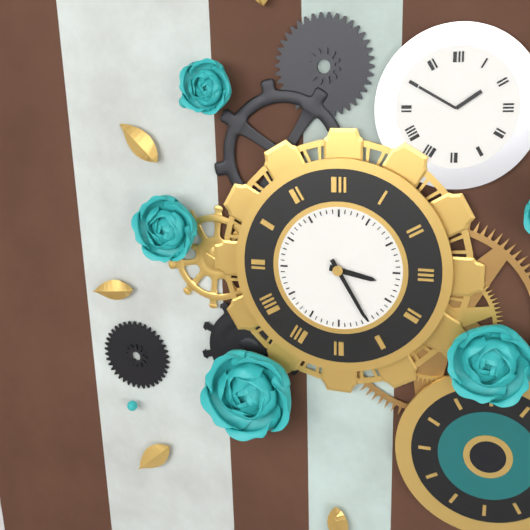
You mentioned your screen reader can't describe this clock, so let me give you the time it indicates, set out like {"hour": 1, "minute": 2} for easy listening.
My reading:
{"hour": 3, "minute": 25}
